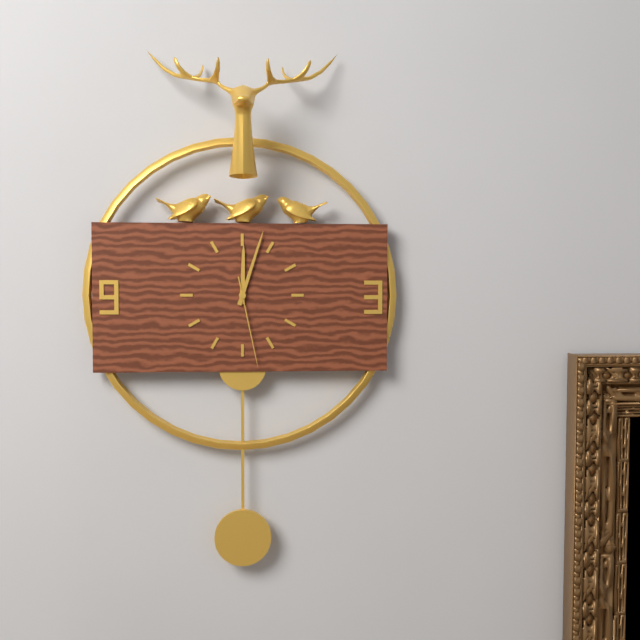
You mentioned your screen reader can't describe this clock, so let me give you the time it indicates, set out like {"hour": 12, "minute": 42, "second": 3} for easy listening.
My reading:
{"hour": 12, "minute": 3, "second": 28}
